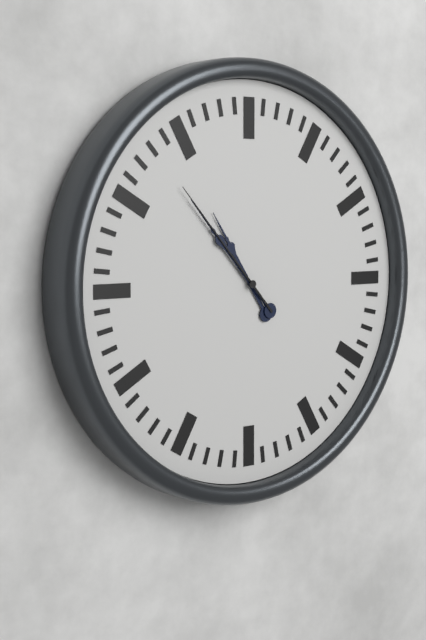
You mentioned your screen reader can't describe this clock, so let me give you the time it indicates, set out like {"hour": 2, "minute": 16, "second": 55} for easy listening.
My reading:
{"hour": 10, "minute": 53, "second": 53}
